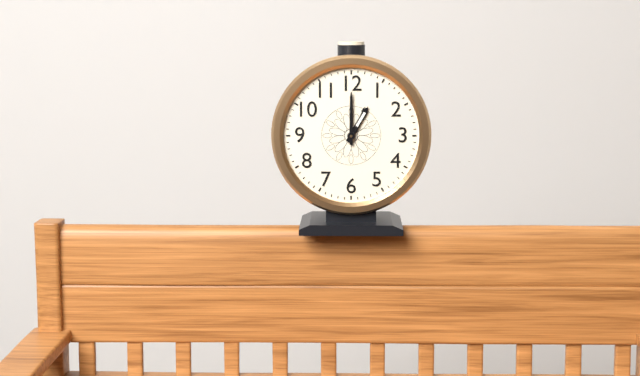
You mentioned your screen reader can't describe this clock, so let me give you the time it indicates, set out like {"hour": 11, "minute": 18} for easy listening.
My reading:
{"hour": 1, "minute": 0}
